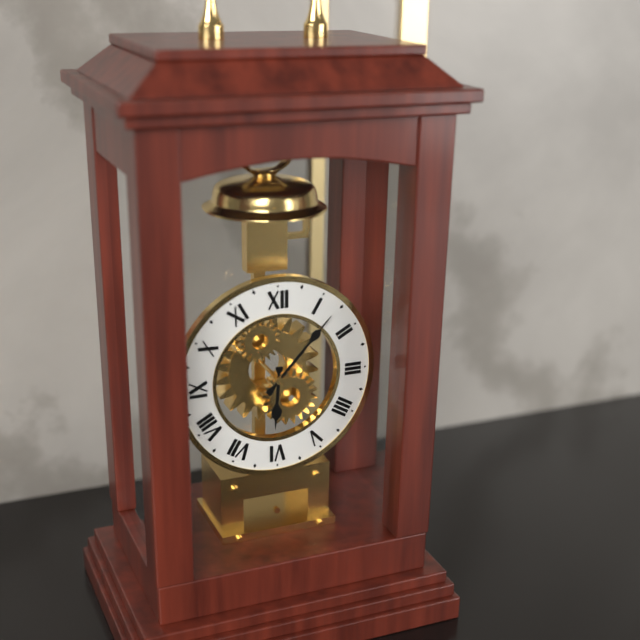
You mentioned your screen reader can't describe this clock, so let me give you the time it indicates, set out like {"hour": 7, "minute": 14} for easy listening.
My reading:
{"hour": 6, "minute": 7}
